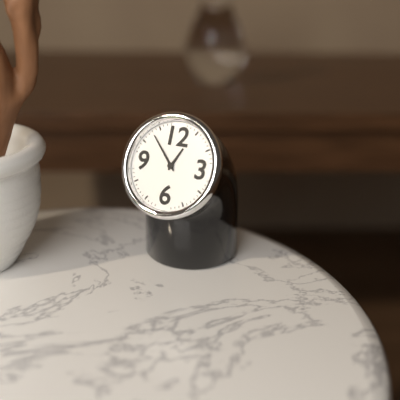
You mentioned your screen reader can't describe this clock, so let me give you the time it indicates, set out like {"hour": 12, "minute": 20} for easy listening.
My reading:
{"hour": 12, "minute": 53}
